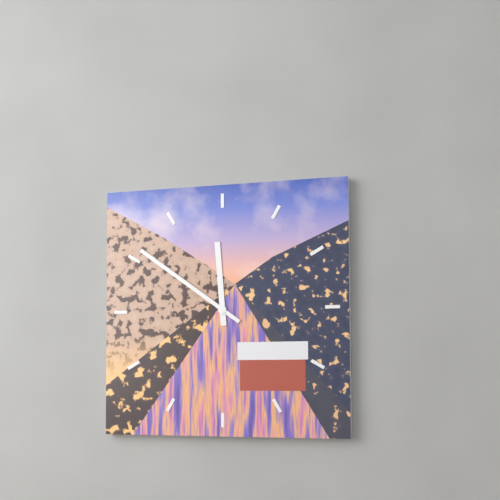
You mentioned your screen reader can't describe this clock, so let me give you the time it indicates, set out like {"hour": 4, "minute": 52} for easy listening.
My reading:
{"hour": 11, "minute": 51}
